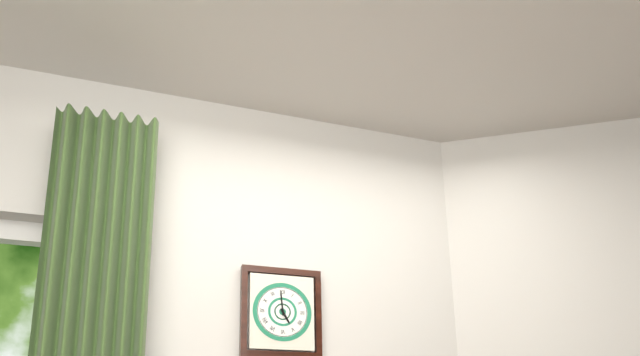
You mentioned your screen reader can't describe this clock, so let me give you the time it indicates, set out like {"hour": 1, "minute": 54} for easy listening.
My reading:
{"hour": 4, "minute": 59}
